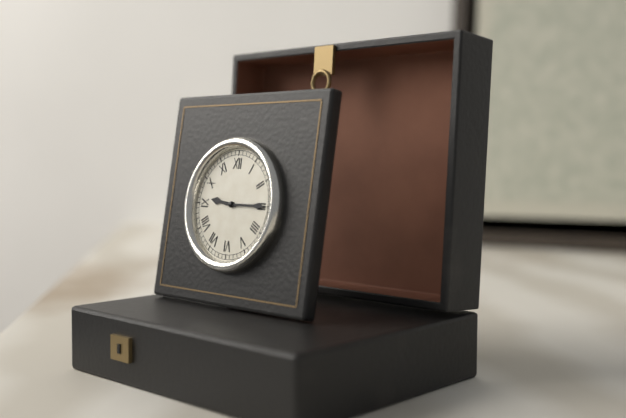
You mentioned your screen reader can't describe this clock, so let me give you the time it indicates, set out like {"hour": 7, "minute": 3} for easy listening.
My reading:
{"hour": 9, "minute": 15}
